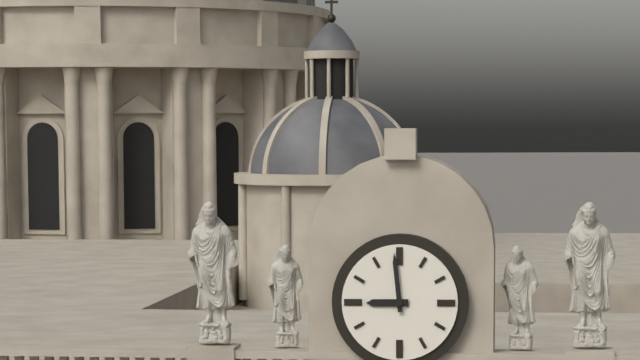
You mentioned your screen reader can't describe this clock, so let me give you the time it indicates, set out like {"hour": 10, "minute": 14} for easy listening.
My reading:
{"hour": 8, "minute": 59}
